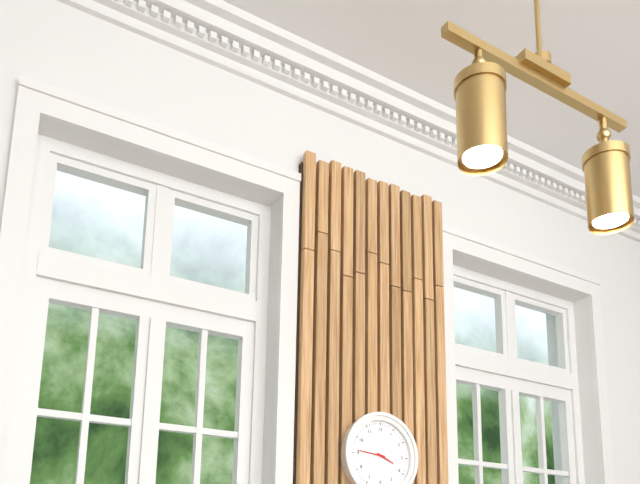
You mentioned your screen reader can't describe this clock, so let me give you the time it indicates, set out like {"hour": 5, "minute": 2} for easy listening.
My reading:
{"hour": 3, "minute": 46}
